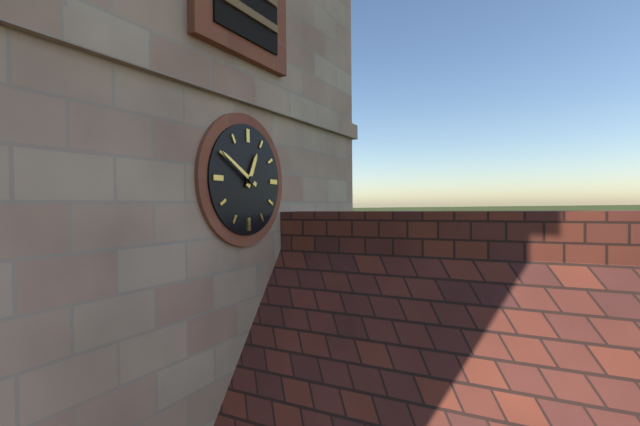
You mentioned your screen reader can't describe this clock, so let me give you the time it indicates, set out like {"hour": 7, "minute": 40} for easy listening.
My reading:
{"hour": 12, "minute": 50}
